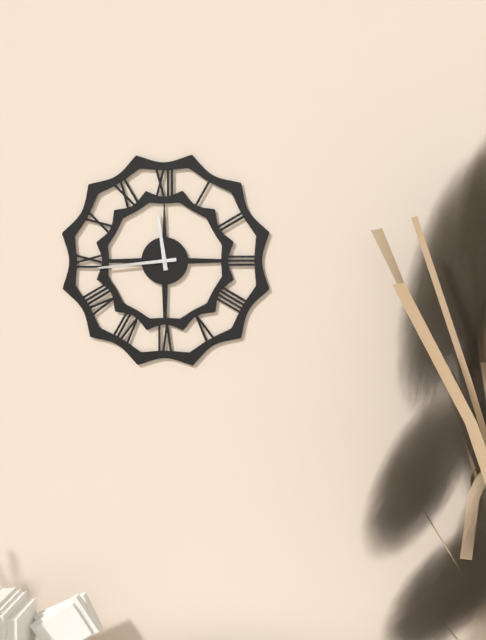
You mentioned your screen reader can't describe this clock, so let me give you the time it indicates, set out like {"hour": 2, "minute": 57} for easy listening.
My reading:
{"hour": 11, "minute": 44}
